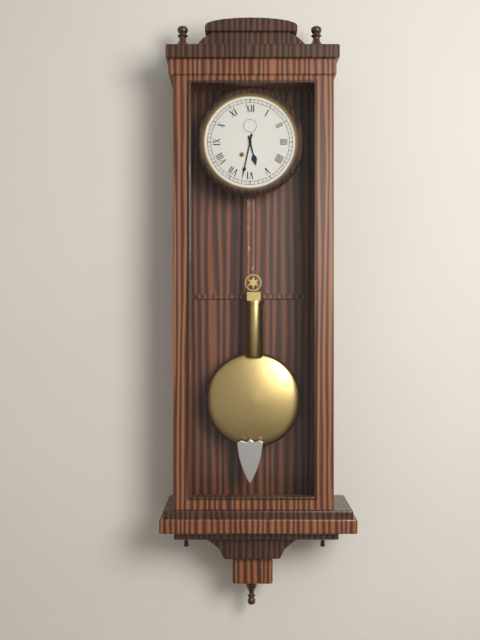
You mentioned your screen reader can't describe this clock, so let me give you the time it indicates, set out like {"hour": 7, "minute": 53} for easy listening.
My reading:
{"hour": 5, "minute": 32}
